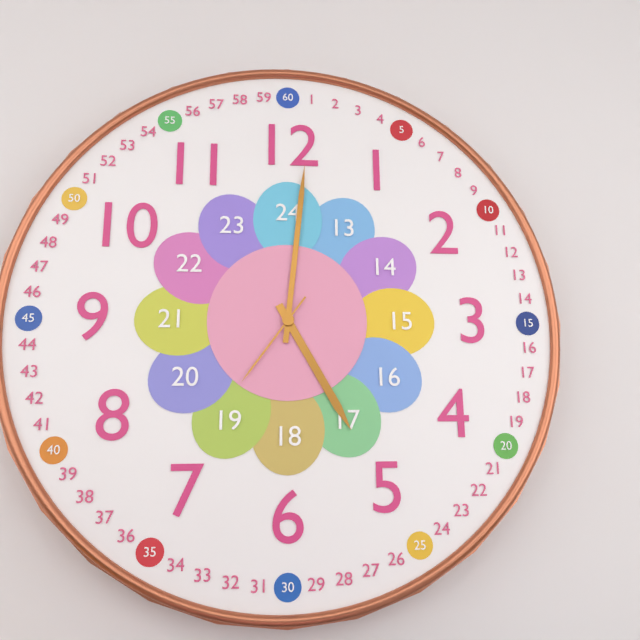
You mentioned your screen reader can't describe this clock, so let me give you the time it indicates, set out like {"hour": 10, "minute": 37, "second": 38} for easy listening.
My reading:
{"hour": 5, "minute": 1, "second": 36}
